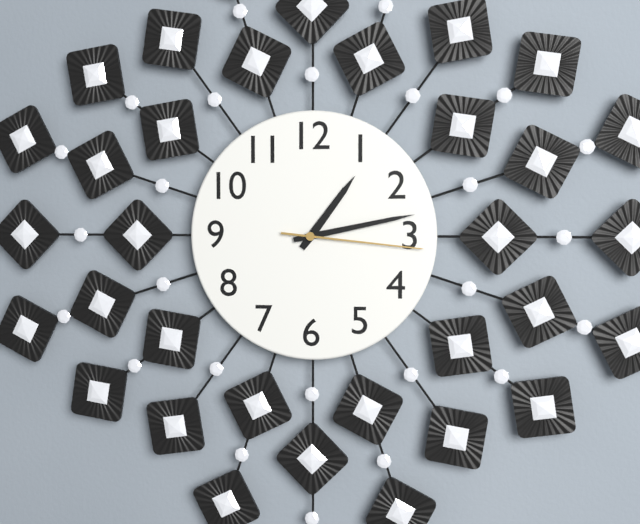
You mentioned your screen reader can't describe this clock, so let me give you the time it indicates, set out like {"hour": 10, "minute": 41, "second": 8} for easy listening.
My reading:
{"hour": 1, "minute": 13, "second": 16}
